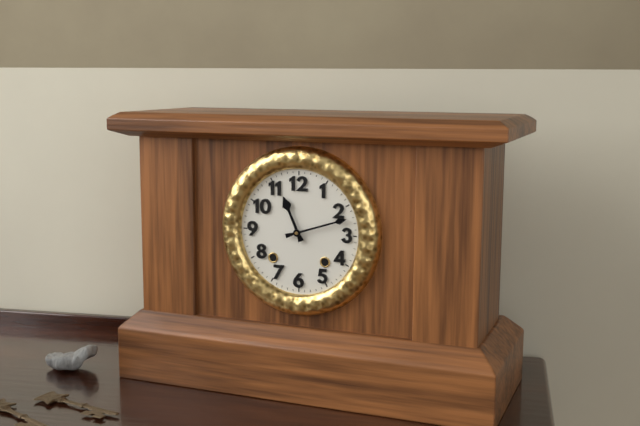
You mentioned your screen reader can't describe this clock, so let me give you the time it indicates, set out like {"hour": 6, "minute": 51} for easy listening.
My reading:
{"hour": 11, "minute": 12}
